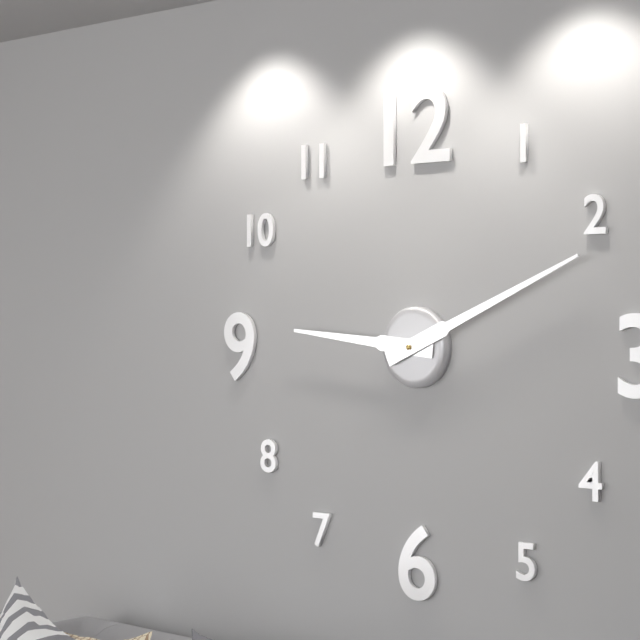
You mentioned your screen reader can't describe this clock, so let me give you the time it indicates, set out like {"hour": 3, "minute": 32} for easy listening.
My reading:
{"hour": 9, "minute": 11}
